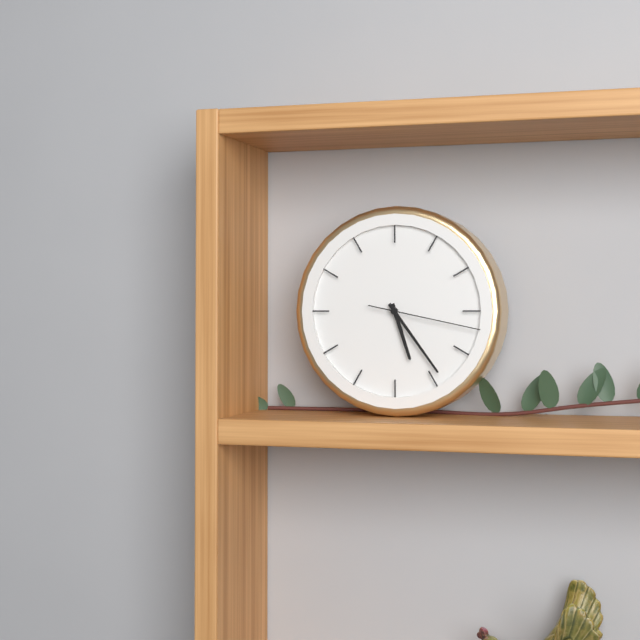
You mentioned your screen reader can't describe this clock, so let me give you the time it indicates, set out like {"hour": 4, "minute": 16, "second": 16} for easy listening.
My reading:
{"hour": 5, "minute": 24, "second": 17}
